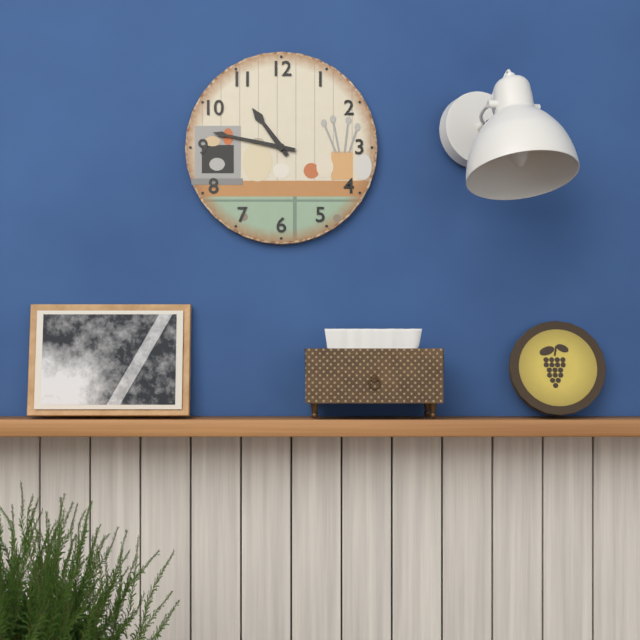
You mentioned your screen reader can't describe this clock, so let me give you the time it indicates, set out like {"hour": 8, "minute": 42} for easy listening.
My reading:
{"hour": 10, "minute": 47}
